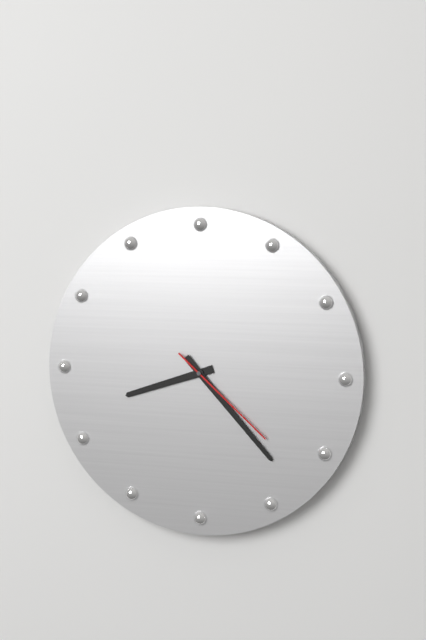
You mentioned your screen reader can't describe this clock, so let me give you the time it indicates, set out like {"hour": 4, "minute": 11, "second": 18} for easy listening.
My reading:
{"hour": 8, "minute": 23, "second": 22}
